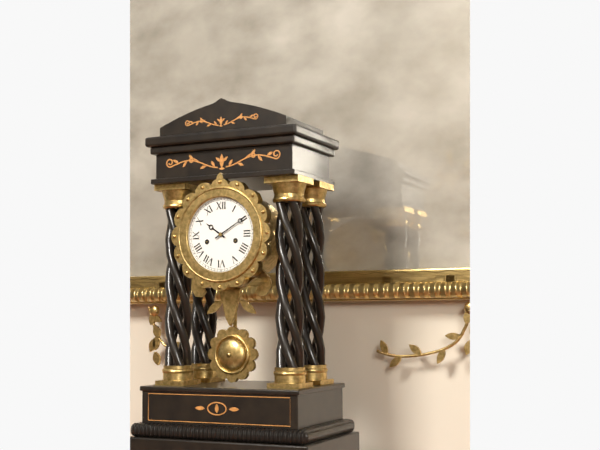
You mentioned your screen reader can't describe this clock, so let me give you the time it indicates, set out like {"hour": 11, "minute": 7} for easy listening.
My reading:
{"hour": 10, "minute": 10}
